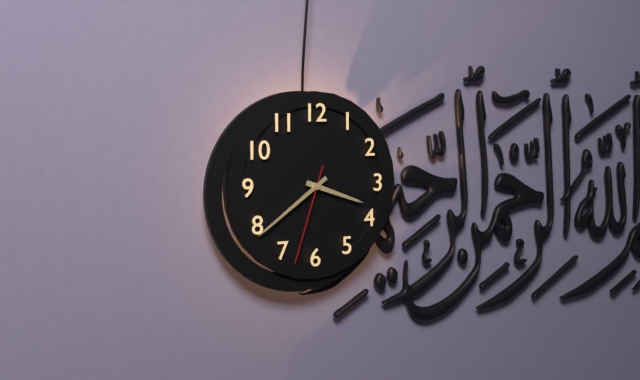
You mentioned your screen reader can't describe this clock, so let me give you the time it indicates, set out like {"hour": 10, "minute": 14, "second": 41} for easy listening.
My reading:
{"hour": 3, "minute": 39, "second": 33}
